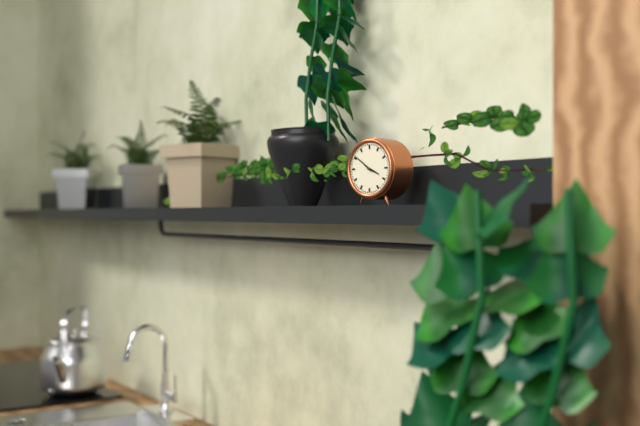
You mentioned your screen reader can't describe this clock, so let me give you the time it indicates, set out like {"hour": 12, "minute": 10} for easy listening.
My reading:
{"hour": 3, "minute": 51}
